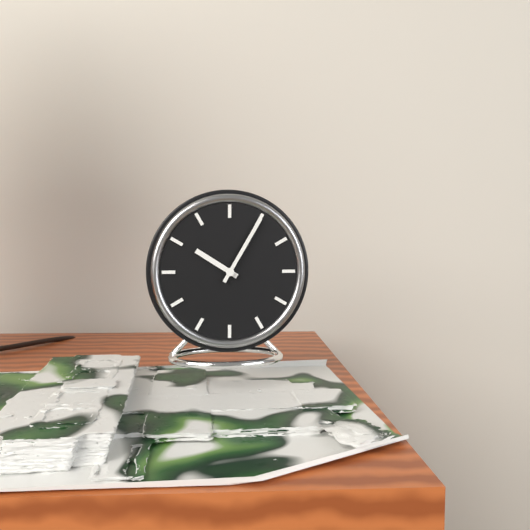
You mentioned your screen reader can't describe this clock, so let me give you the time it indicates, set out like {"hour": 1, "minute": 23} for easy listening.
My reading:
{"hour": 10, "minute": 5}
